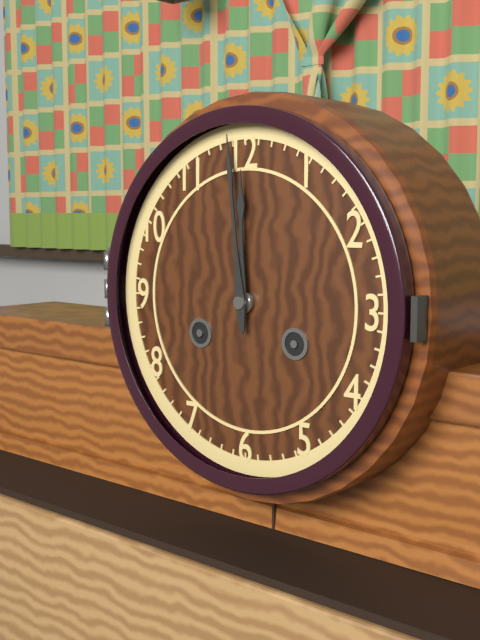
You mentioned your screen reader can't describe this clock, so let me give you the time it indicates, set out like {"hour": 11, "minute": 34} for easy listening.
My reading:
{"hour": 11, "minute": 59}
